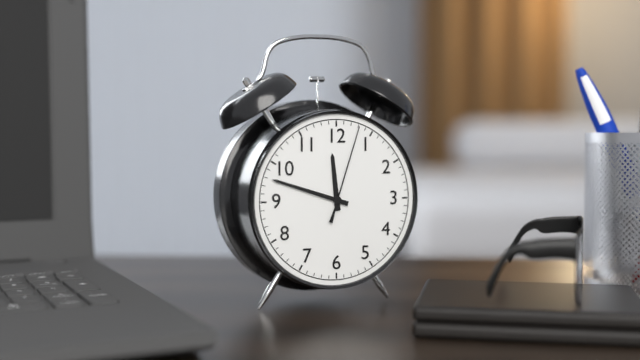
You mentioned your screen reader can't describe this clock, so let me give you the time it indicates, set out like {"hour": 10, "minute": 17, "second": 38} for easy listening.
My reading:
{"hour": 11, "minute": 48, "second": 3}
